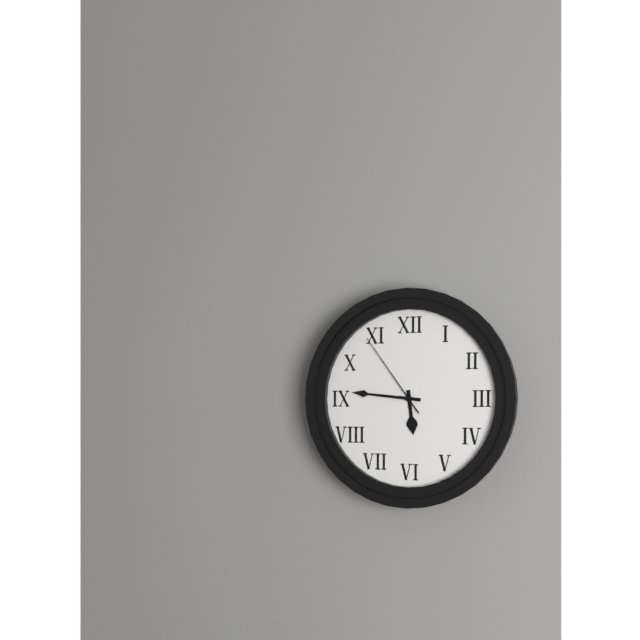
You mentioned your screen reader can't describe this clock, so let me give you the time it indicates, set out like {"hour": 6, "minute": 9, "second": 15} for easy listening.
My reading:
{"hour": 5, "minute": 46, "second": 54}
